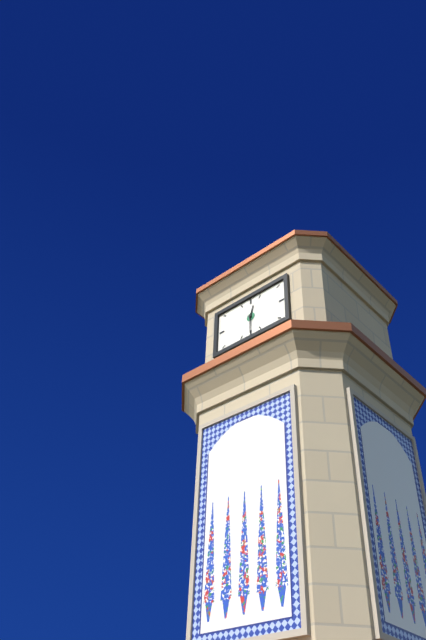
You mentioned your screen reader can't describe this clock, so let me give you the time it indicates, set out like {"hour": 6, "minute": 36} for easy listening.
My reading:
{"hour": 12, "minute": 30}
